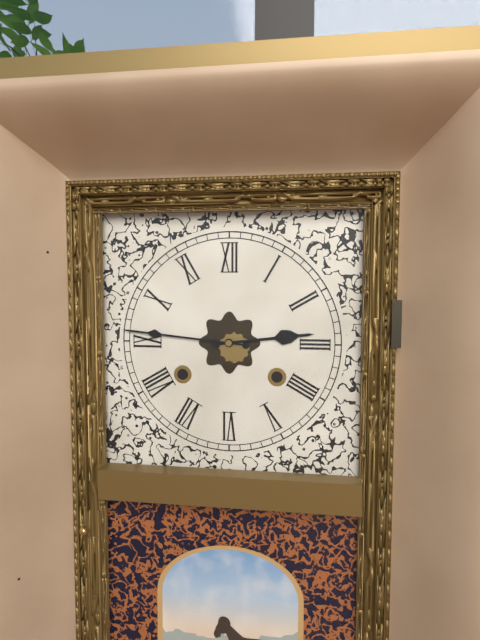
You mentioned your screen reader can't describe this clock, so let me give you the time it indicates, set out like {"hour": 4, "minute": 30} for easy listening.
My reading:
{"hour": 2, "minute": 46}
